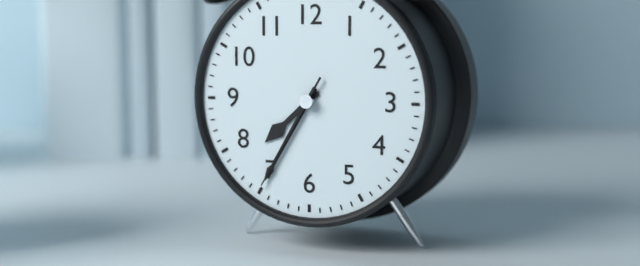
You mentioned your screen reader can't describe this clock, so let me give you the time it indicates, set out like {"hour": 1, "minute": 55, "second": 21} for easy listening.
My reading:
{"hour": 7, "minute": 35, "second": 35}
